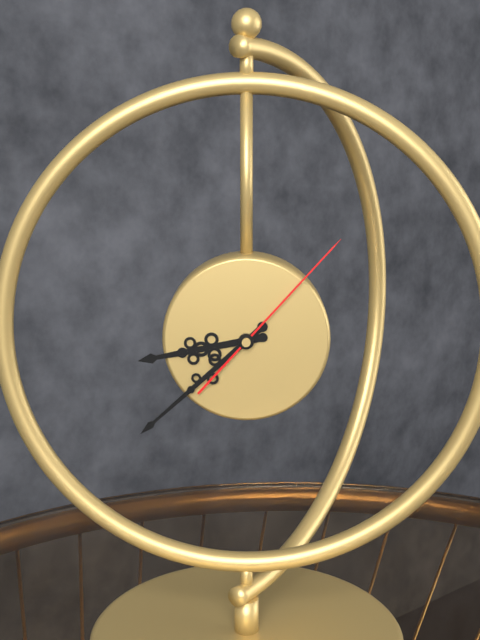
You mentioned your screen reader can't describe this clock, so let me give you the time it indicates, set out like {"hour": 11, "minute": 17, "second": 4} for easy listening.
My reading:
{"hour": 8, "minute": 38, "second": 7}
